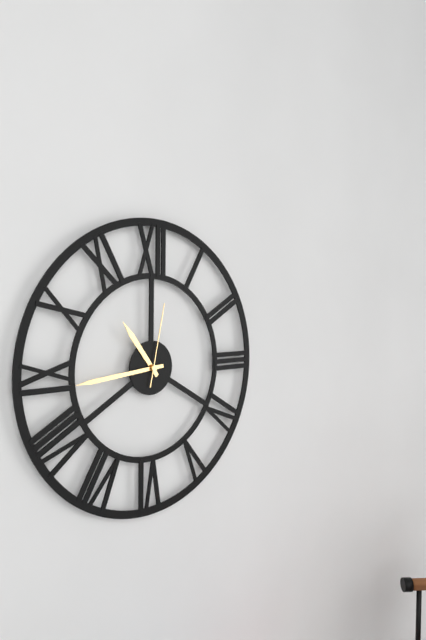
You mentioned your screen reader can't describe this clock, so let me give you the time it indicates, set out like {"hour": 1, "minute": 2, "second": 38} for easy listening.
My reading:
{"hour": 10, "minute": 44, "second": 2}
